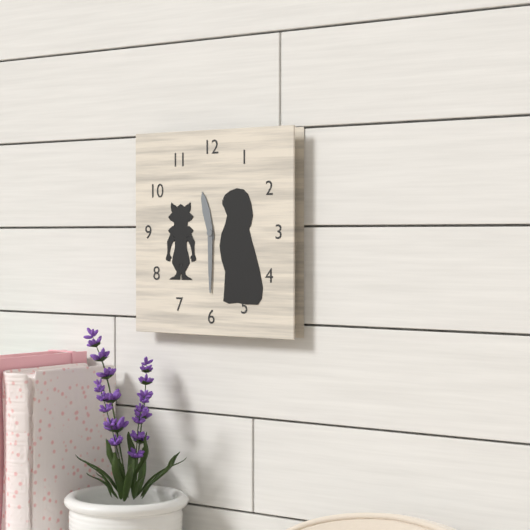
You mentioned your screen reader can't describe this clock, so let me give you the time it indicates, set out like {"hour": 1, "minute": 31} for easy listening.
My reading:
{"hour": 11, "minute": 30}
